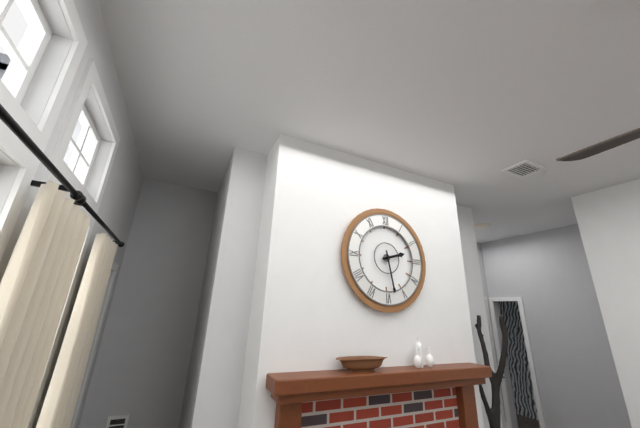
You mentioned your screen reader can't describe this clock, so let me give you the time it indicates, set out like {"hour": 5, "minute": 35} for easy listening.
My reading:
{"hour": 2, "minute": 28}
